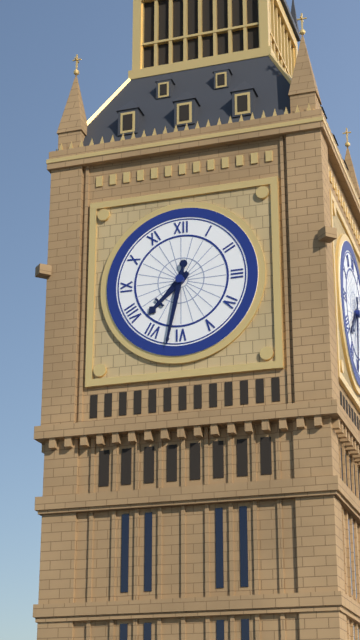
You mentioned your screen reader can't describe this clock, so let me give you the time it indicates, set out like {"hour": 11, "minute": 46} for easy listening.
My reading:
{"hour": 7, "minute": 32}
